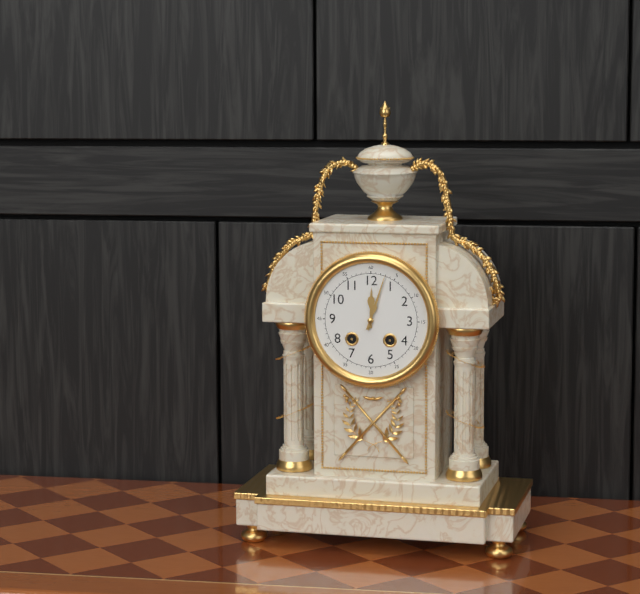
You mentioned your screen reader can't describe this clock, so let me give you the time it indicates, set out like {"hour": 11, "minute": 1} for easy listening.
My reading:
{"hour": 12, "minute": 3}
